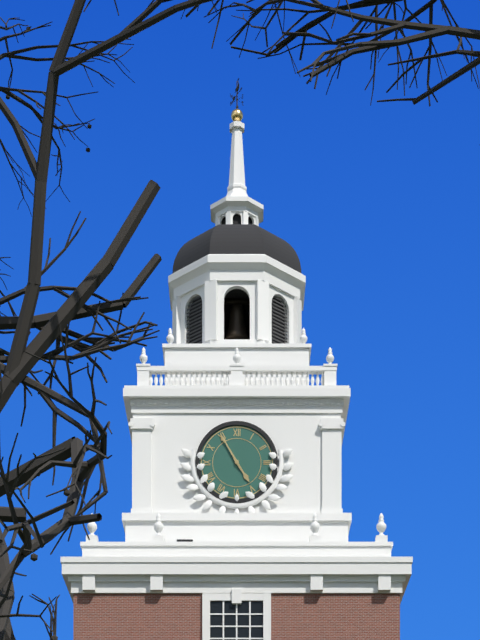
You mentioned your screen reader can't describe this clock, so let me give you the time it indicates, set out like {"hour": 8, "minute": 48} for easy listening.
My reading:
{"hour": 4, "minute": 55}
